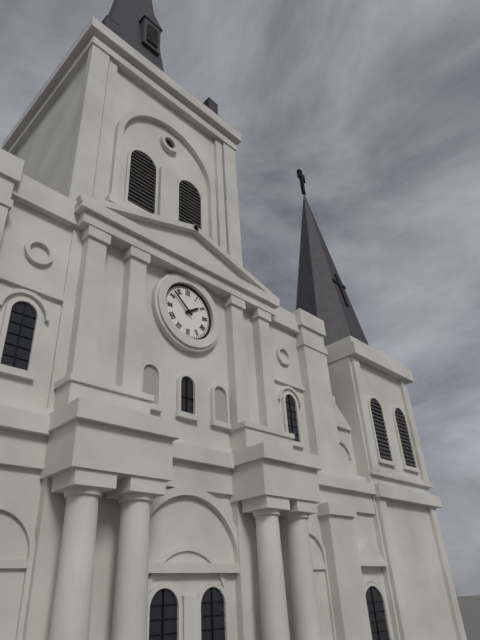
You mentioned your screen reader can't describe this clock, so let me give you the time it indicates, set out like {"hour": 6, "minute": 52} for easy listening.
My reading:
{"hour": 1, "minute": 52}
